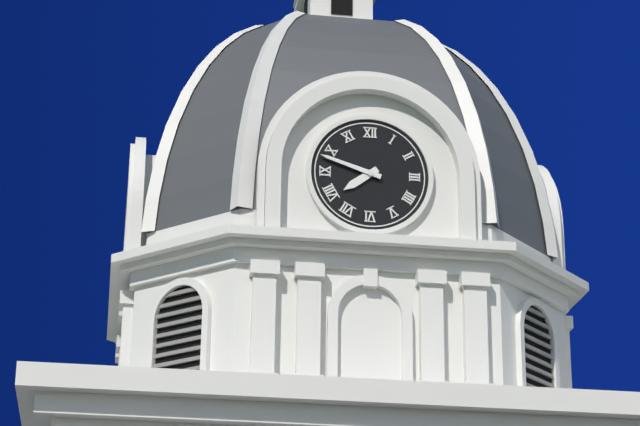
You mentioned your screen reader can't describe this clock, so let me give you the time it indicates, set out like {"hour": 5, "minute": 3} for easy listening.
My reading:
{"hour": 7, "minute": 48}
